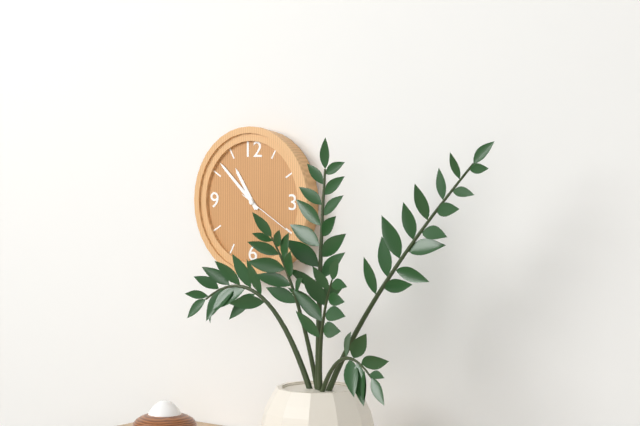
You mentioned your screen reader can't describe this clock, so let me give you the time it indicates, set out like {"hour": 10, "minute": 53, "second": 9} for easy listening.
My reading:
{"hour": 10, "minute": 52, "second": 20}
